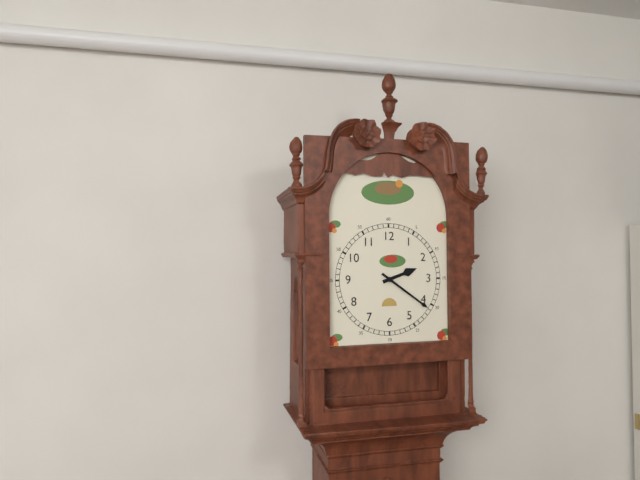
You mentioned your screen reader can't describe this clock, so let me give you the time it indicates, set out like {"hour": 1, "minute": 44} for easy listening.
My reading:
{"hour": 2, "minute": 21}
